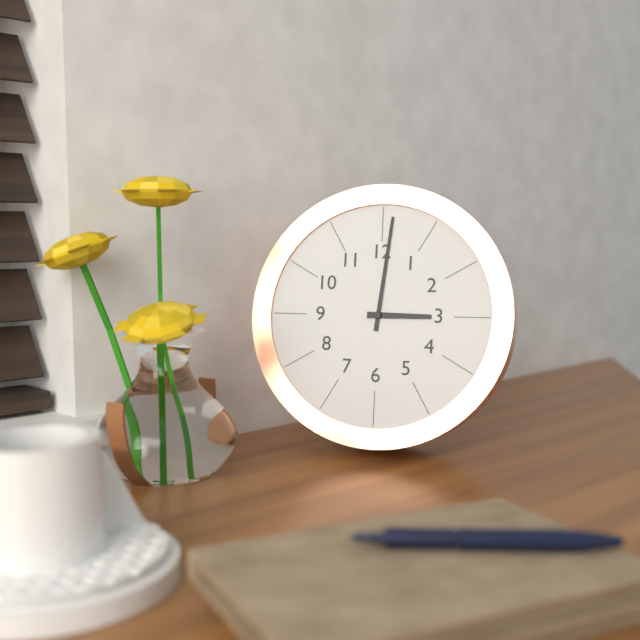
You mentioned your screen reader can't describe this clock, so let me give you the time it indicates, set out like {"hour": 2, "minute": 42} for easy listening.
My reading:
{"hour": 3, "minute": 1}
